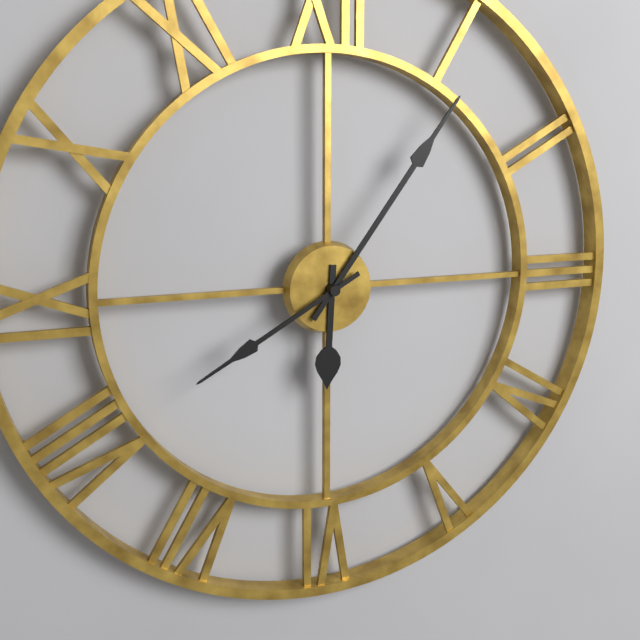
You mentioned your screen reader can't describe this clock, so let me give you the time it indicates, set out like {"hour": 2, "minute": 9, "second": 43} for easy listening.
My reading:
{"hour": 6, "minute": 6, "second": 40}
